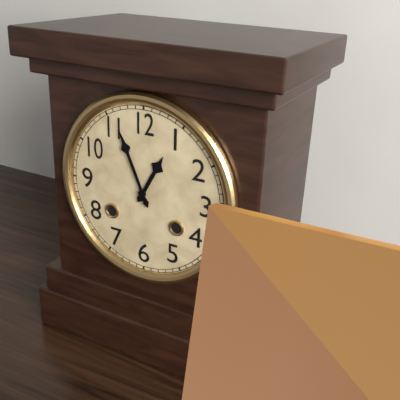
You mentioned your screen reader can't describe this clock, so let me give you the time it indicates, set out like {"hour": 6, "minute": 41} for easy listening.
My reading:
{"hour": 12, "minute": 56}
